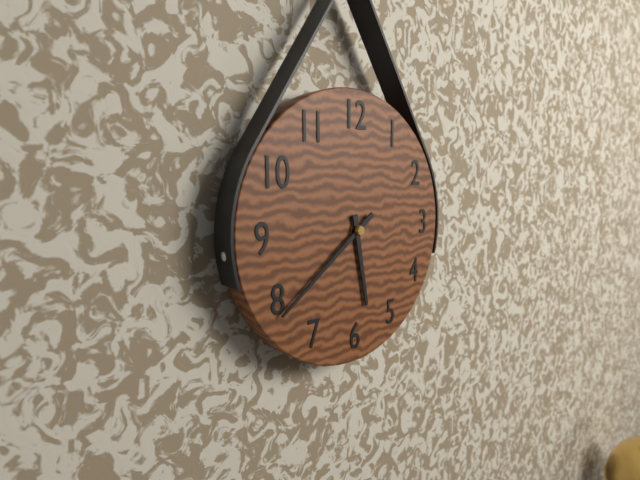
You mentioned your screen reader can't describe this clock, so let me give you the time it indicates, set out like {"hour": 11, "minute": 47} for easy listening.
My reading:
{"hour": 5, "minute": 39}
